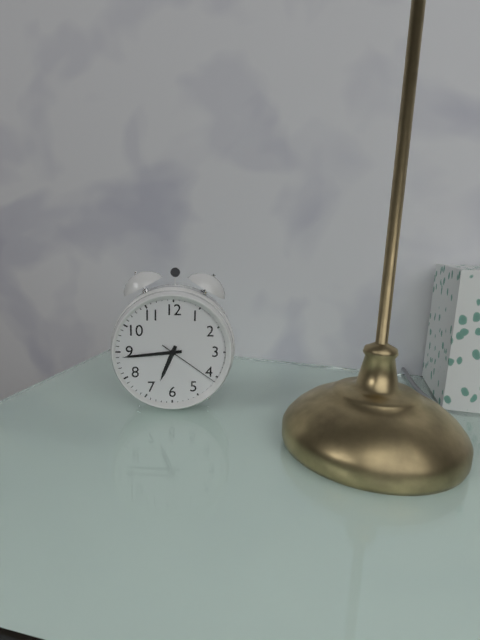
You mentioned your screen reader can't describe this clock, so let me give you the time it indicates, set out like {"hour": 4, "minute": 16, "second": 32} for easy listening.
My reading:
{"hour": 6, "minute": 44, "second": 21}
